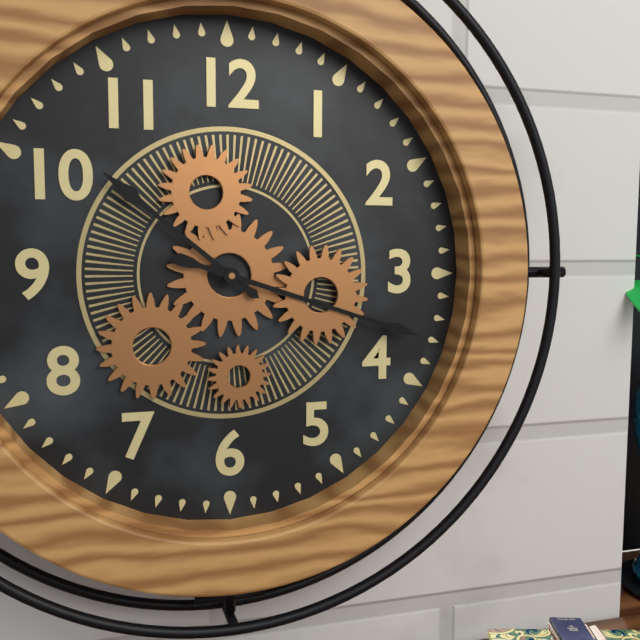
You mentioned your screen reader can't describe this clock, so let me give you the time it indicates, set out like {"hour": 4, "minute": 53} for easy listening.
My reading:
{"hour": 10, "minute": 18}
